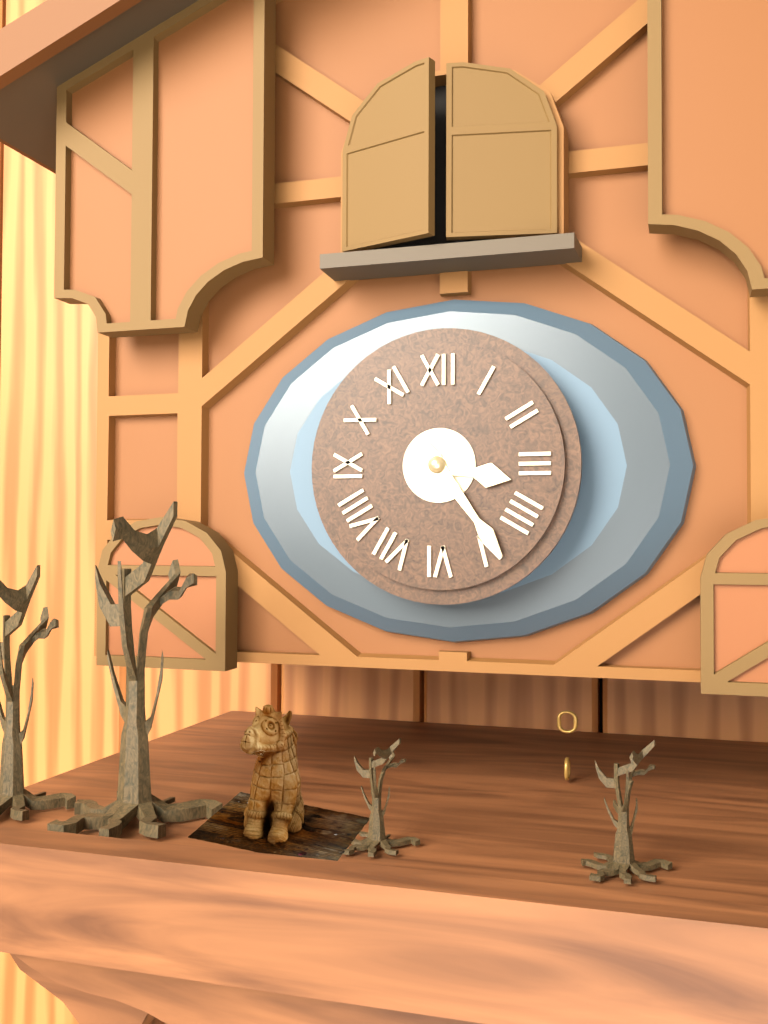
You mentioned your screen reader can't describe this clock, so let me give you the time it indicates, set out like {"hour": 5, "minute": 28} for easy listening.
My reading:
{"hour": 3, "minute": 24}
